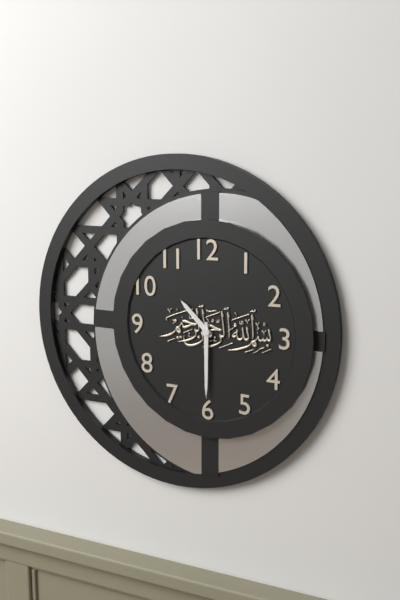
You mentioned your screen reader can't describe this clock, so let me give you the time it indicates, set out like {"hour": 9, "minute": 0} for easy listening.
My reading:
{"hour": 10, "minute": 30}
